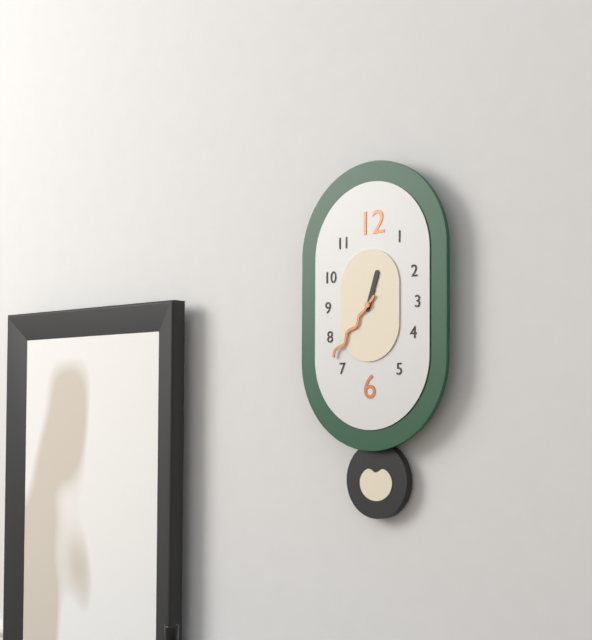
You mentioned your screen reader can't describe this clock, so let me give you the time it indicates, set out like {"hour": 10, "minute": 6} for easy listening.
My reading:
{"hour": 12, "minute": 37}
